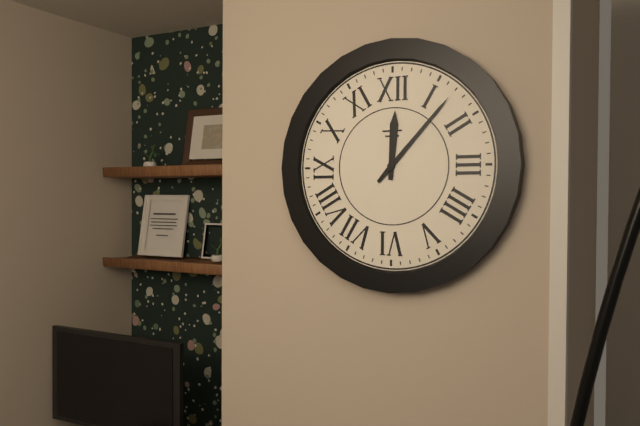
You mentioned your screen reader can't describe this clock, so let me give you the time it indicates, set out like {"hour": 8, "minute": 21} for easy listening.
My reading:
{"hour": 12, "minute": 7}
